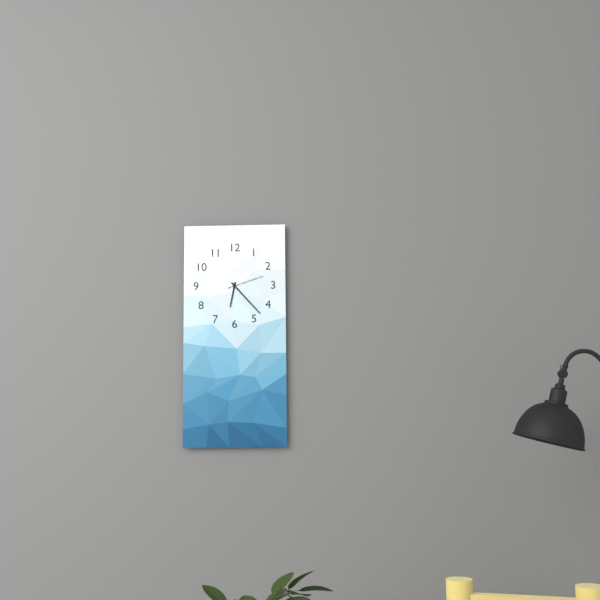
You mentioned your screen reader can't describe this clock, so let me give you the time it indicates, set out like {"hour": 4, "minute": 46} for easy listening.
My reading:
{"hour": 6, "minute": 23}
